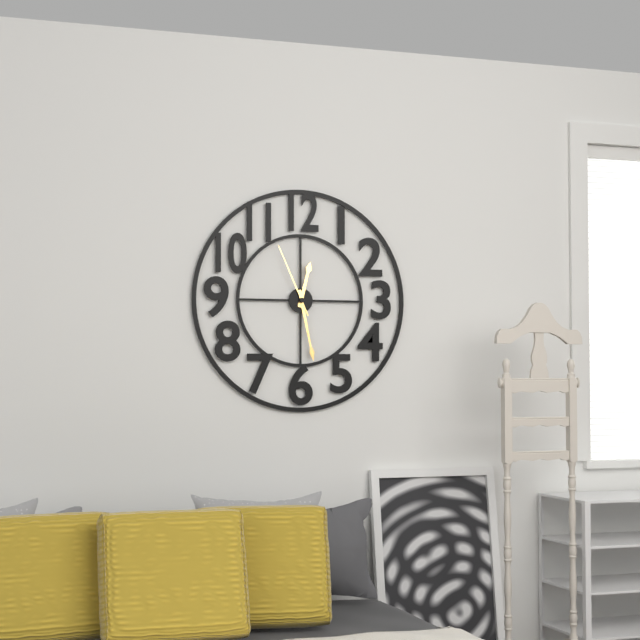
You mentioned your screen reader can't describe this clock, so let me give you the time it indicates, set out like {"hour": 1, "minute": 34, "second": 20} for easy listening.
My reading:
{"hour": 12, "minute": 28, "second": 56}
